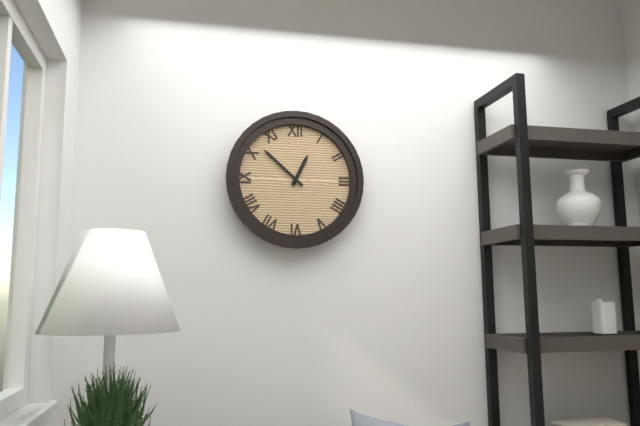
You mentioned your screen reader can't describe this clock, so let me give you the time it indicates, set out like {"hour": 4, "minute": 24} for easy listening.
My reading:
{"hour": 12, "minute": 52}
